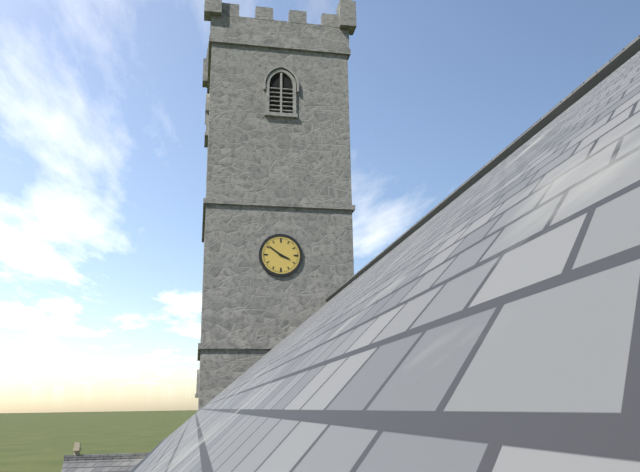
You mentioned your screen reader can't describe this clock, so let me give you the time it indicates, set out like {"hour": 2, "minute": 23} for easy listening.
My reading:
{"hour": 3, "minute": 51}
